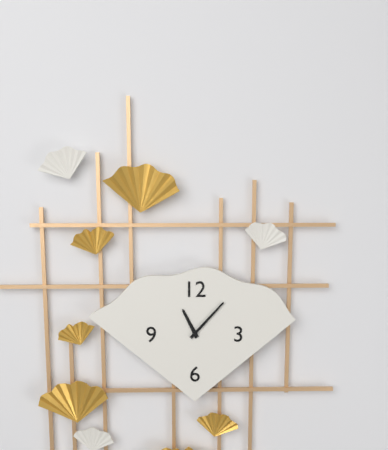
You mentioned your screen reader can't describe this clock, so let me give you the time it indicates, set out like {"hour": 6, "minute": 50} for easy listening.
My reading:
{"hour": 11, "minute": 7}
